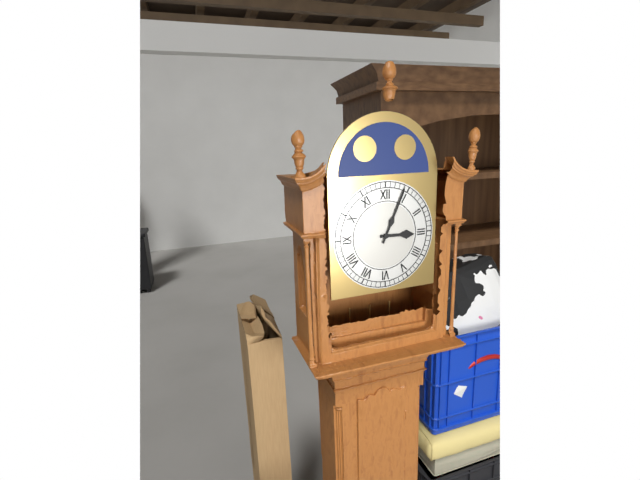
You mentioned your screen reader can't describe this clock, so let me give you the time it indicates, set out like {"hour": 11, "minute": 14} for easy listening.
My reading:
{"hour": 3, "minute": 4}
